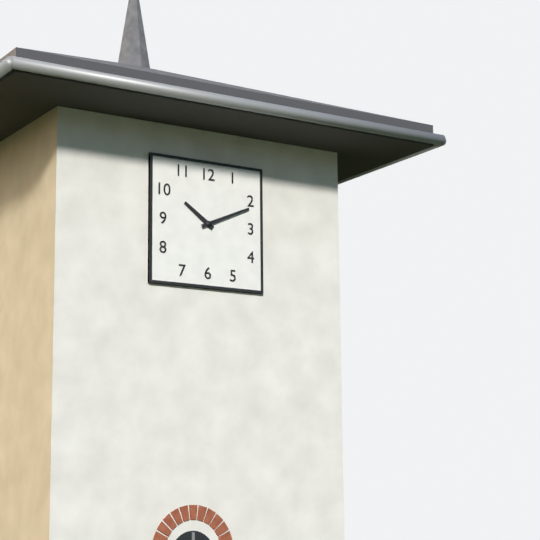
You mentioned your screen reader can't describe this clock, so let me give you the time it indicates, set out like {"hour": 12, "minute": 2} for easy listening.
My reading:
{"hour": 10, "minute": 11}
